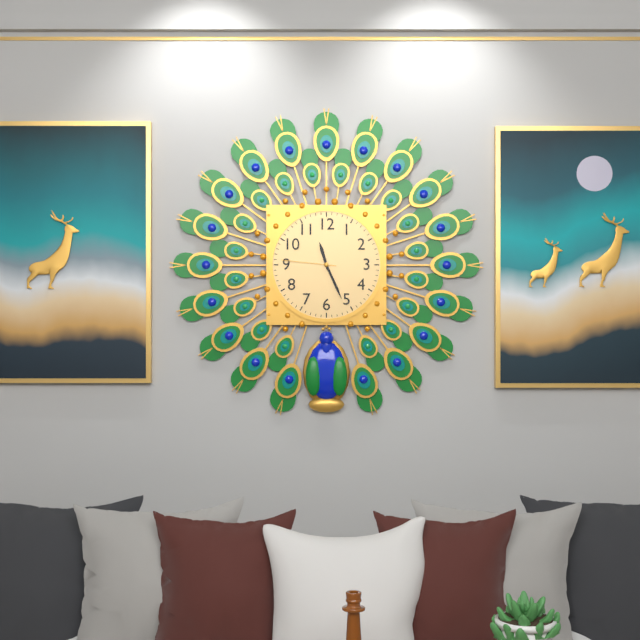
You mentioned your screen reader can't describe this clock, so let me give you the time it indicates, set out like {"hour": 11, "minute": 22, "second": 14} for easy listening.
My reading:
{"hour": 11, "minute": 26, "second": 46}
